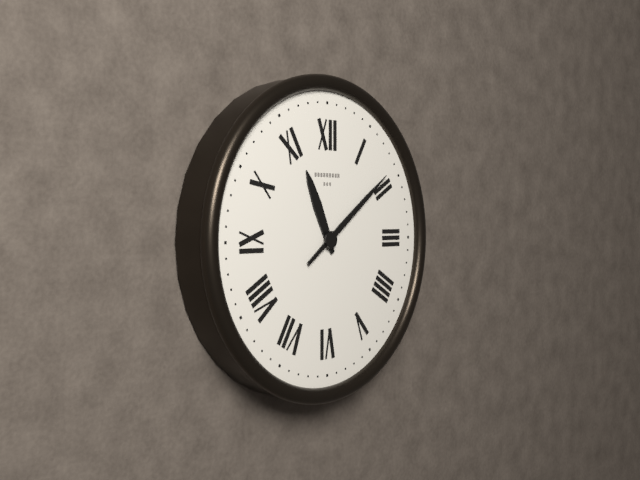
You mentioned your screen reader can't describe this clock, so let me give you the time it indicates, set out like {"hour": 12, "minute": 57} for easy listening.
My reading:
{"hour": 11, "minute": 9}
